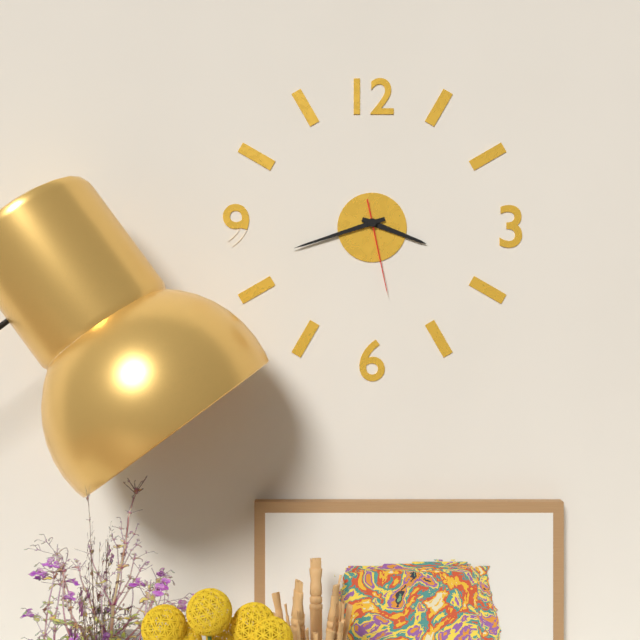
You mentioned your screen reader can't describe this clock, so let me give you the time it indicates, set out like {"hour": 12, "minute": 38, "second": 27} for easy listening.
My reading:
{"hour": 3, "minute": 42, "second": 28}
